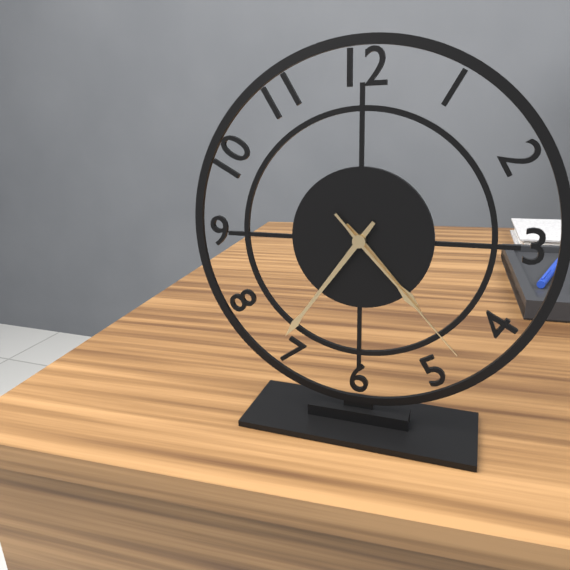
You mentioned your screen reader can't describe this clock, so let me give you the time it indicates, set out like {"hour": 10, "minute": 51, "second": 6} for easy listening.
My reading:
{"hour": 4, "minute": 36, "second": 23}
